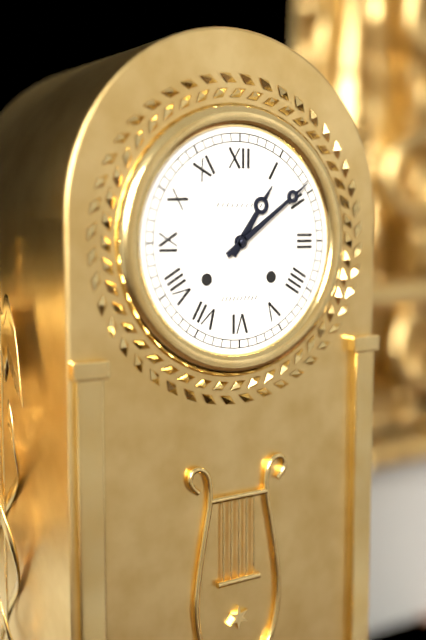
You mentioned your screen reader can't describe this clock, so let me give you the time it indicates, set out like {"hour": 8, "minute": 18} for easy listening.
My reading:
{"hour": 1, "minute": 9}
